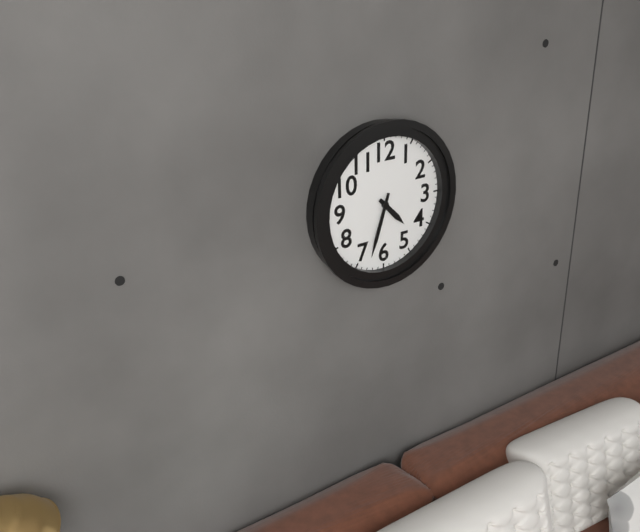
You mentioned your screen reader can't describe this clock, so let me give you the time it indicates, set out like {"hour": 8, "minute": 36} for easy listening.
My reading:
{"hour": 4, "minute": 33}
